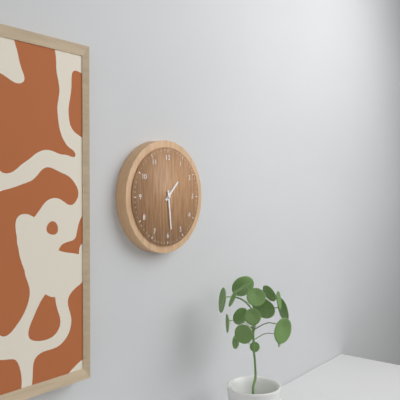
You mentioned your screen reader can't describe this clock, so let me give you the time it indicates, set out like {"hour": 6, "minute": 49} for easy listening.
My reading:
{"hour": 1, "minute": 29}
